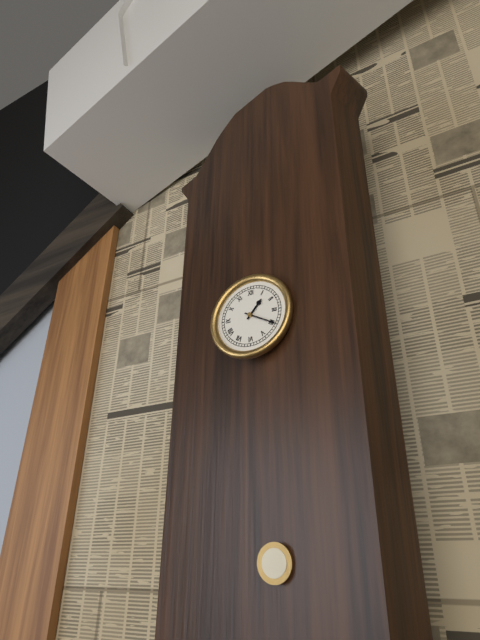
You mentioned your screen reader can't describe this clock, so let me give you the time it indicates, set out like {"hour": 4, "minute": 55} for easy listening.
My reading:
{"hour": 1, "minute": 20}
